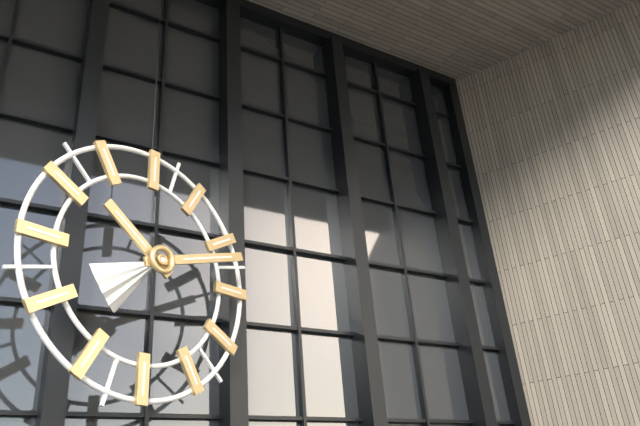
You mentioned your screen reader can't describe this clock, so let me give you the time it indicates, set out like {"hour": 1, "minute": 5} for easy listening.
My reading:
{"hour": 10, "minute": 12}
